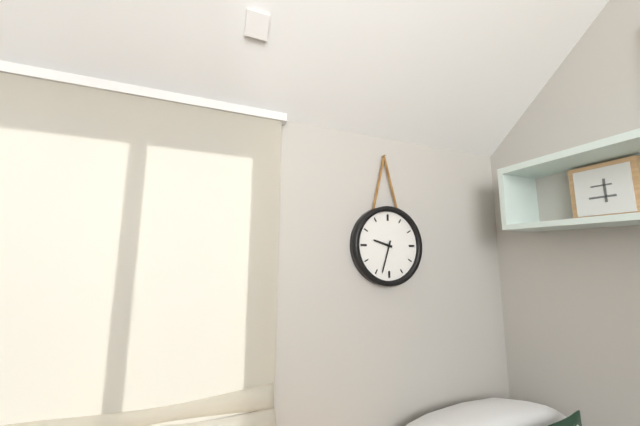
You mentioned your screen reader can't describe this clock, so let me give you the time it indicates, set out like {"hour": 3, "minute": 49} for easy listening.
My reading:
{"hour": 9, "minute": 33}
